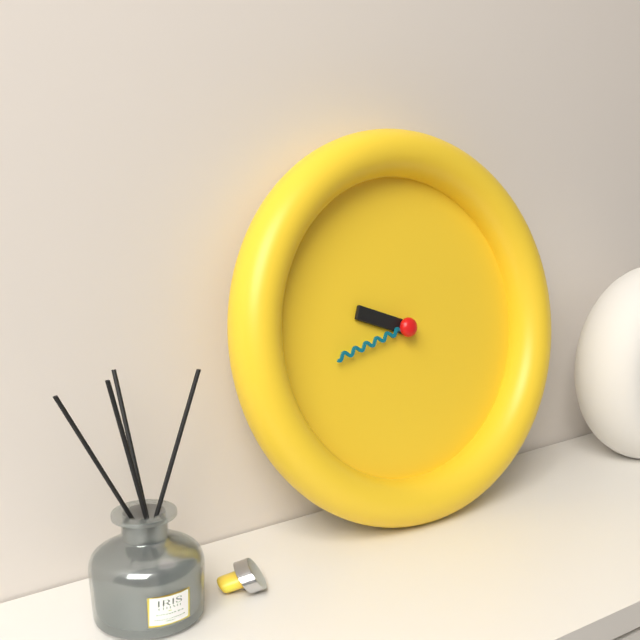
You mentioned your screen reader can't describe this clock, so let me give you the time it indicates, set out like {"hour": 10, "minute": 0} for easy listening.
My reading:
{"hour": 9, "minute": 43}
